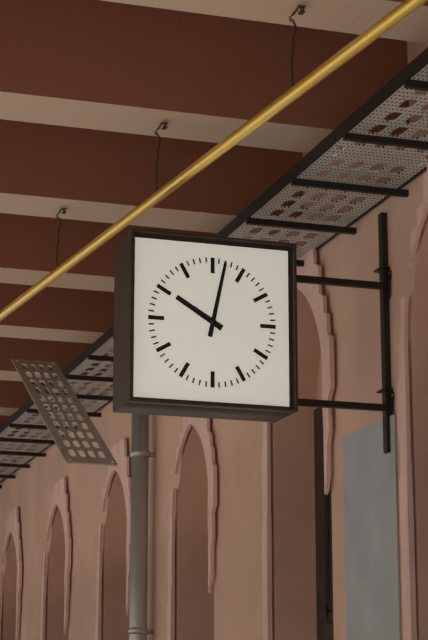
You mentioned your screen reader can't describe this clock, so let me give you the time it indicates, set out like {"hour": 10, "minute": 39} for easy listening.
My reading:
{"hour": 10, "minute": 2}
